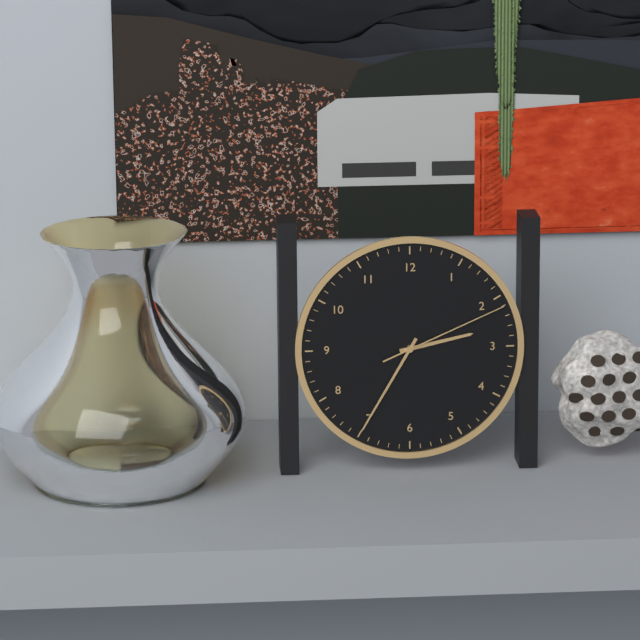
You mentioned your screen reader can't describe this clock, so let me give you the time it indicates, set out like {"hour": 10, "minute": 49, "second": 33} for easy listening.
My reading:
{"hour": 2, "minute": 35, "second": 11}
